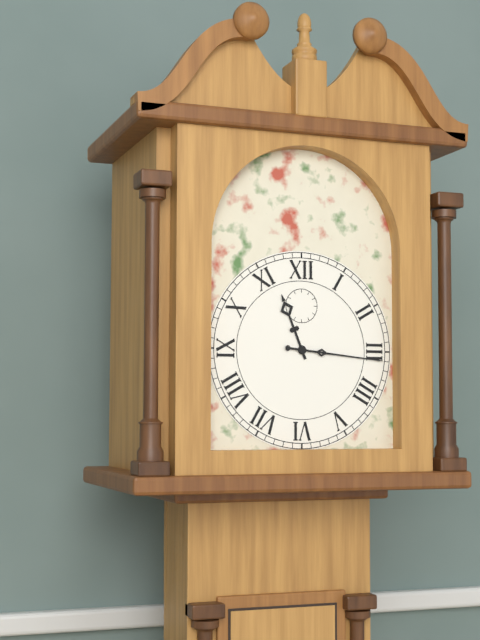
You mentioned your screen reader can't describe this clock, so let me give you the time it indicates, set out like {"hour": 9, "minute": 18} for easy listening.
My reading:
{"hour": 11, "minute": 16}
